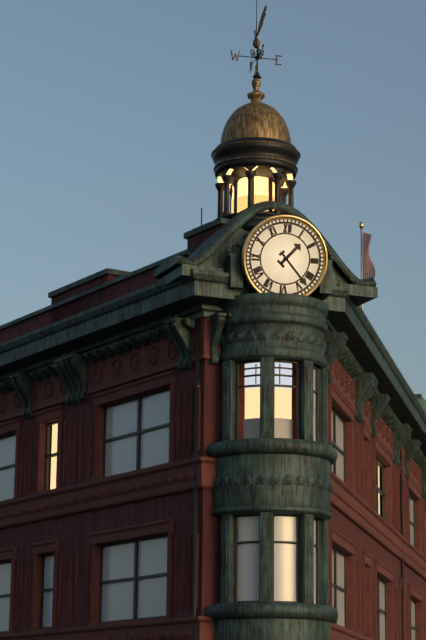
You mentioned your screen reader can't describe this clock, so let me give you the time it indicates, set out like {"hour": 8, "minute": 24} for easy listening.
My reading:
{"hour": 1, "minute": 23}
